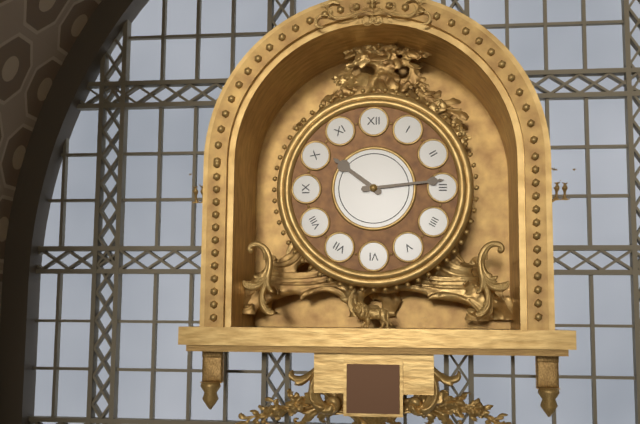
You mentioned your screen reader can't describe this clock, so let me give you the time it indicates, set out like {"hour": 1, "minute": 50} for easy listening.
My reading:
{"hour": 10, "minute": 14}
